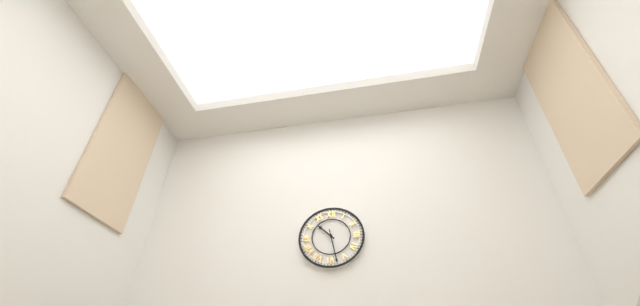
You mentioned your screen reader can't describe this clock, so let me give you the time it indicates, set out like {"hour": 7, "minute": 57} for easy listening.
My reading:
{"hour": 10, "minute": 28}
